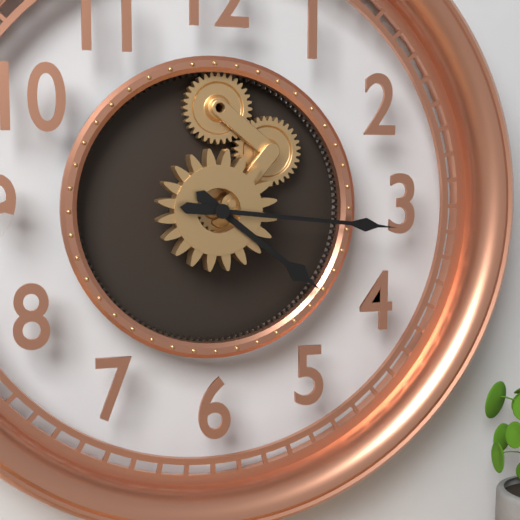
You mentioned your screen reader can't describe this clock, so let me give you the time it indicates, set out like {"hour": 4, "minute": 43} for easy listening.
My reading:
{"hour": 4, "minute": 16}
